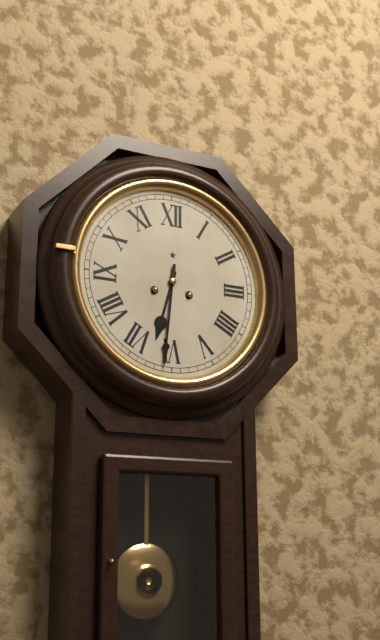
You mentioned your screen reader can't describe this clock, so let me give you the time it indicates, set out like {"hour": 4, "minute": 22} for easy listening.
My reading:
{"hour": 6, "minute": 31}
